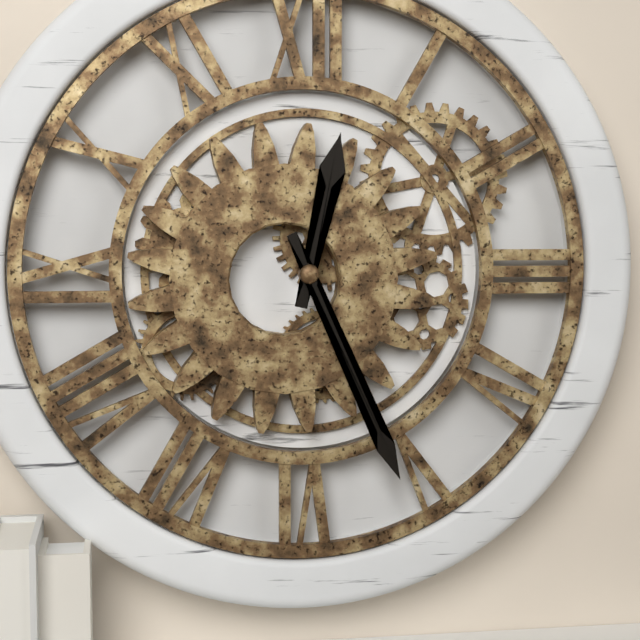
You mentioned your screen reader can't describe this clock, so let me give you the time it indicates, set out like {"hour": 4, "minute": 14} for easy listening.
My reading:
{"hour": 12, "minute": 26}
